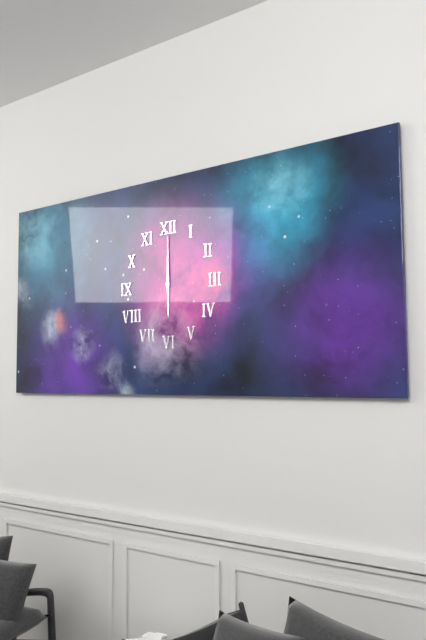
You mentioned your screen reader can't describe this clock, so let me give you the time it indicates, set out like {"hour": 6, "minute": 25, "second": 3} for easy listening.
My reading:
{"hour": 6, "minute": 0, "second": 0}
